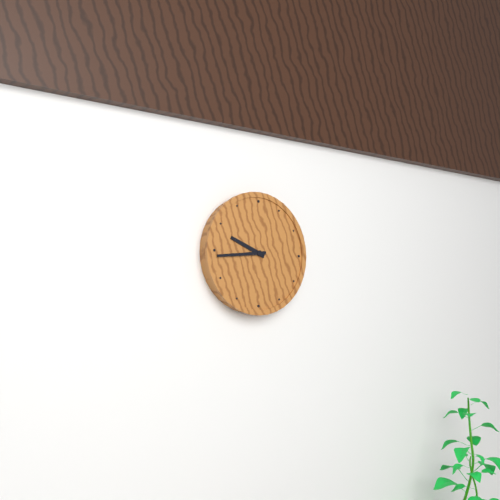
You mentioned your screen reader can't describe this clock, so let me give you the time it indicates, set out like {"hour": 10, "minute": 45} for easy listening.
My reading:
{"hour": 9, "minute": 44}
